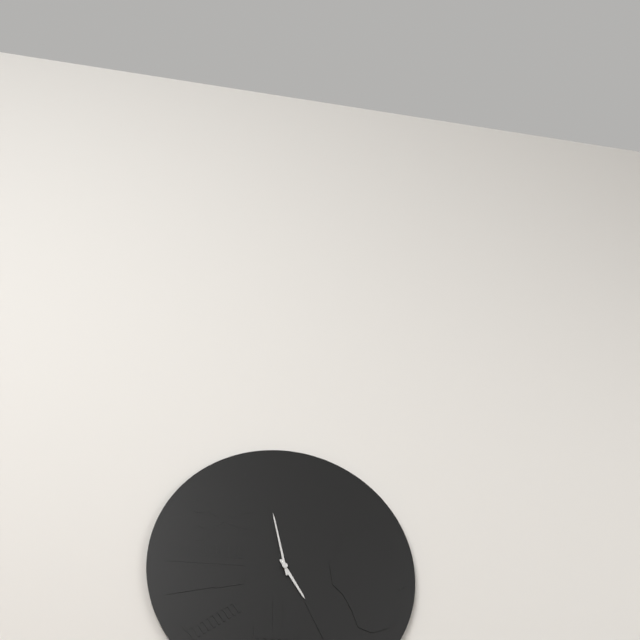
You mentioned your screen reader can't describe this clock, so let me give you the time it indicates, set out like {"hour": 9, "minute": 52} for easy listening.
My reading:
{"hour": 4, "minute": 58}
